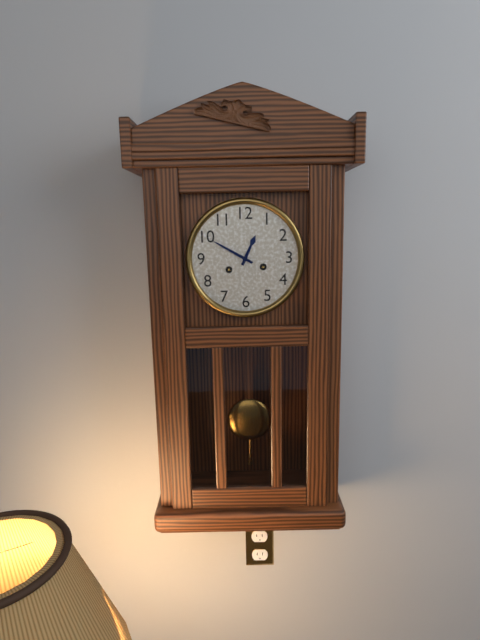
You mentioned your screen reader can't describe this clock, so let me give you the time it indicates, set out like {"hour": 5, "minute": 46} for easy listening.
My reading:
{"hour": 12, "minute": 50}
